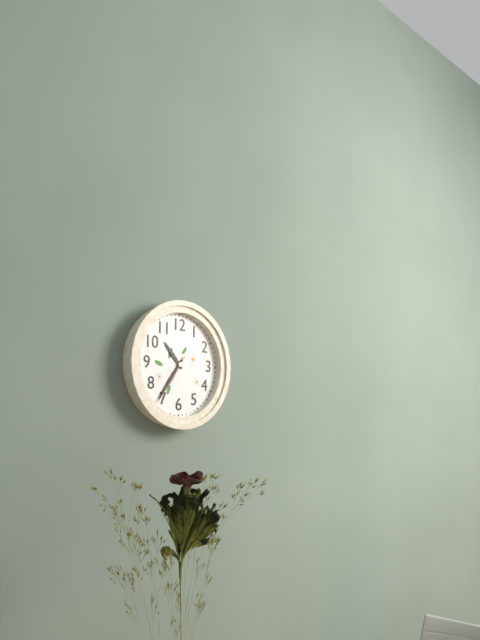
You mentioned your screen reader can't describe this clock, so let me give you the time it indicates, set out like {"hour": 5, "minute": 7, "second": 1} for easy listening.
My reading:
{"hour": 10, "minute": 36, "second": 36}
